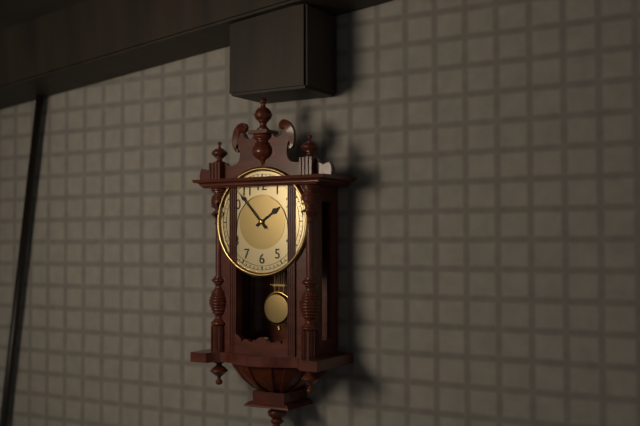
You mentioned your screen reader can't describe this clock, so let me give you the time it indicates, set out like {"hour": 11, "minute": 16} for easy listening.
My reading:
{"hour": 1, "minute": 53}
